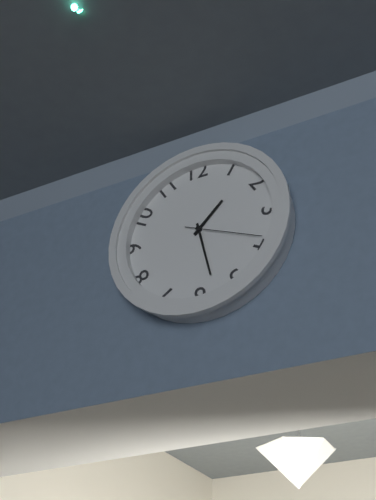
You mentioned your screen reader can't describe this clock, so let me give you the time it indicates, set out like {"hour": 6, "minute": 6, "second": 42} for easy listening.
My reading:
{"hour": 1, "minute": 28, "second": 19}
